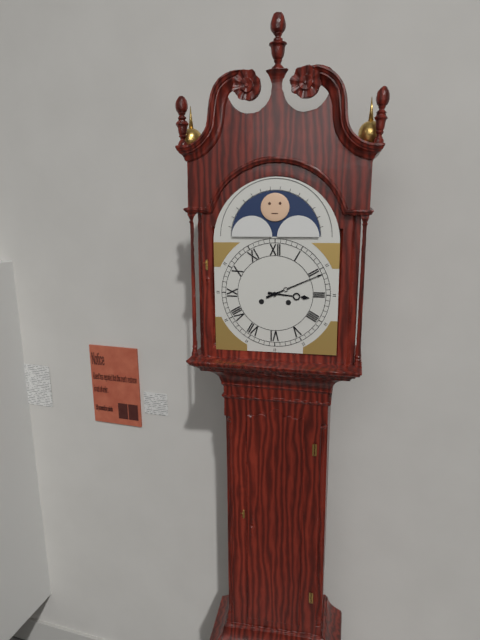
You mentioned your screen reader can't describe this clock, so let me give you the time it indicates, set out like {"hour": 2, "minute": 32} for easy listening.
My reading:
{"hour": 3, "minute": 11}
